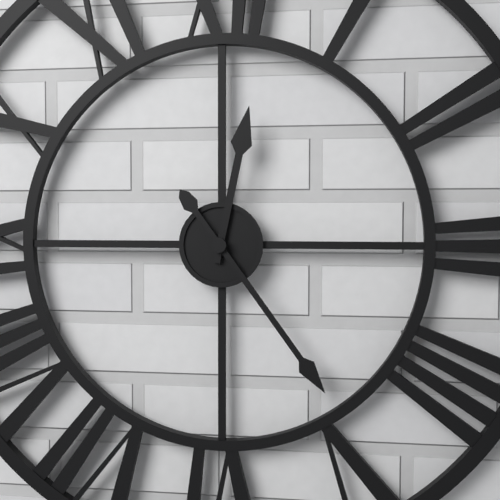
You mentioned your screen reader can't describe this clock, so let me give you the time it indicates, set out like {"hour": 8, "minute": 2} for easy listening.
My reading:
{"hour": 12, "minute": 24}
